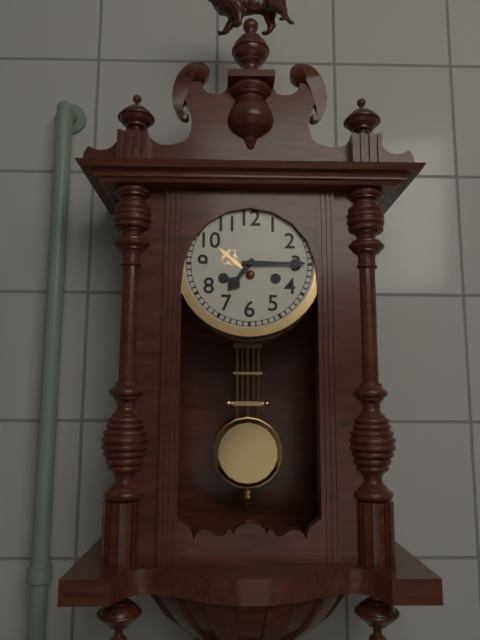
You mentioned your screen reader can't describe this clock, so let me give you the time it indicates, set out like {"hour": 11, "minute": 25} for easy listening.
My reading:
{"hour": 7, "minute": 15}
